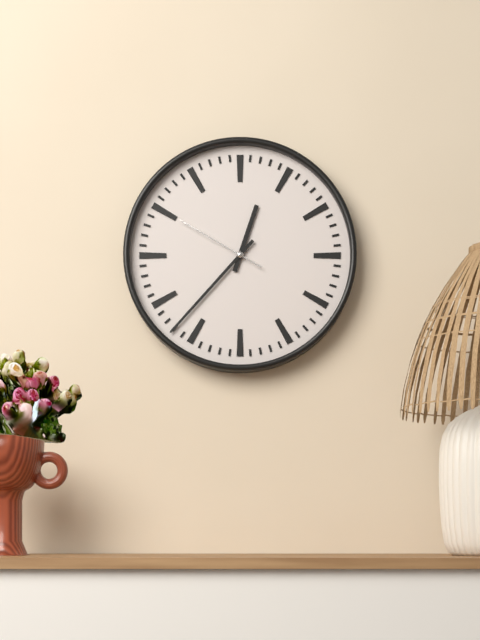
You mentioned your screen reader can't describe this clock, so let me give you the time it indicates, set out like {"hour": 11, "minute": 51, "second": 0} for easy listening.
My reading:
{"hour": 12, "minute": 37, "second": 50}
